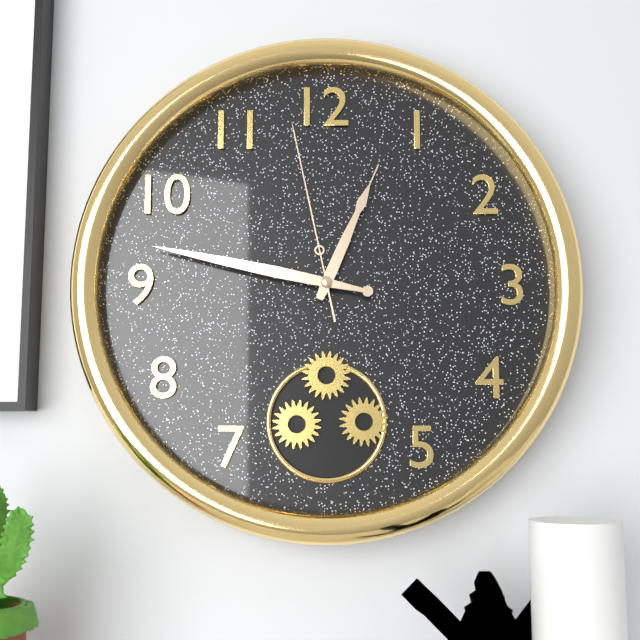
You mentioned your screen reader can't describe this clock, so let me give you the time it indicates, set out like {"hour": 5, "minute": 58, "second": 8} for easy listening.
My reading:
{"hour": 12, "minute": 47, "second": 58}
